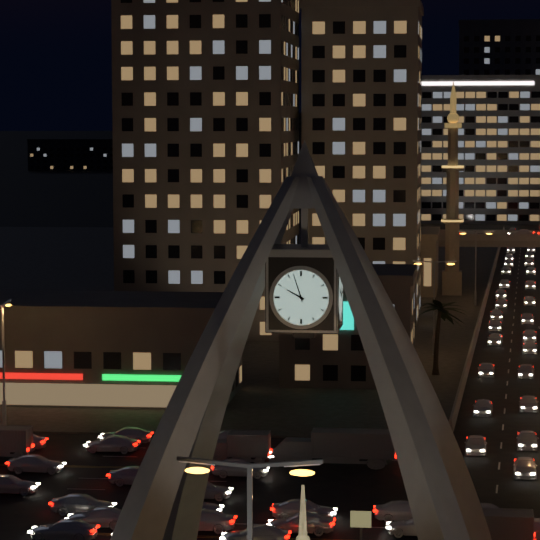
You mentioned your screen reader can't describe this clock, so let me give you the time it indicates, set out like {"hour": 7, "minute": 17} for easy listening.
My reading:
{"hour": 9, "minute": 57}
